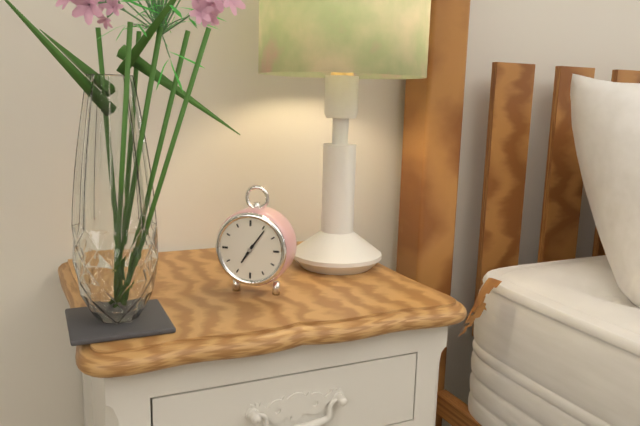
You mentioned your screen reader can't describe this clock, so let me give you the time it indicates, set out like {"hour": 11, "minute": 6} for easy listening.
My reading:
{"hour": 7, "minute": 6}
